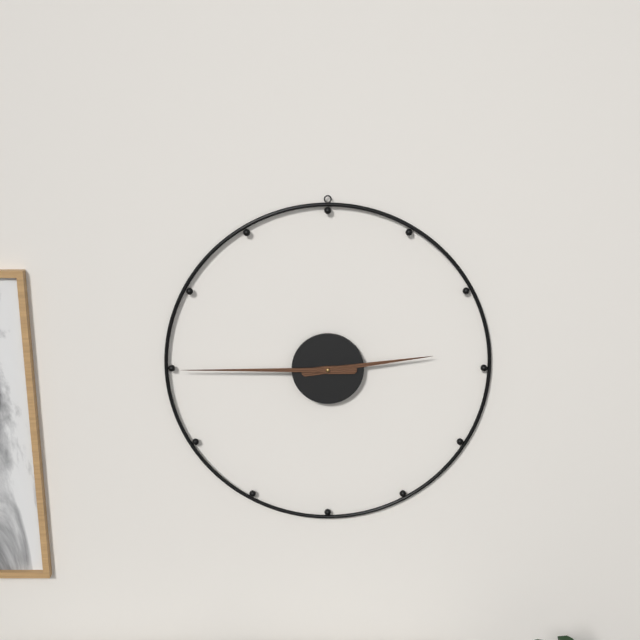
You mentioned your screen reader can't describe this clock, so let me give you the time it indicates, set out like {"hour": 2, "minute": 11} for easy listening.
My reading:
{"hour": 2, "minute": 45}
